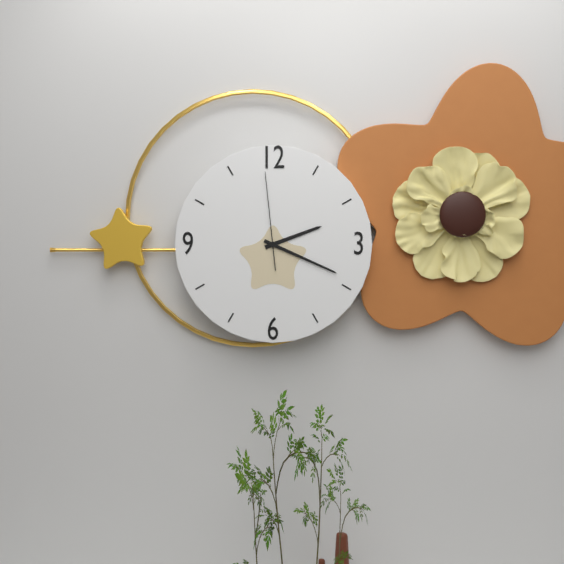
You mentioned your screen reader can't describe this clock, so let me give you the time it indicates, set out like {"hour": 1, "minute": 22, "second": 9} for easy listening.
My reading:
{"hour": 2, "minute": 19, "second": 59}
